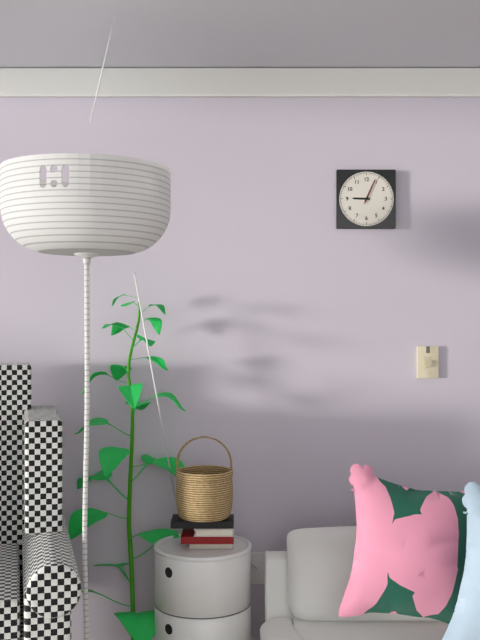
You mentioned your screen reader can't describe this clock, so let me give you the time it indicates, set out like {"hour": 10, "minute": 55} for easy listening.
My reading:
{"hour": 9, "minute": 4}
